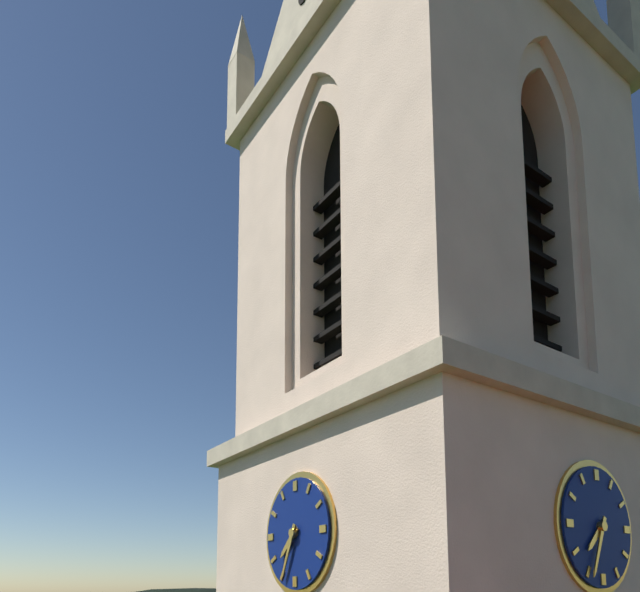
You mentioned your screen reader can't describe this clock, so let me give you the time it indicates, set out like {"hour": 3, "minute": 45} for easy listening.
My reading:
{"hour": 7, "minute": 34}
